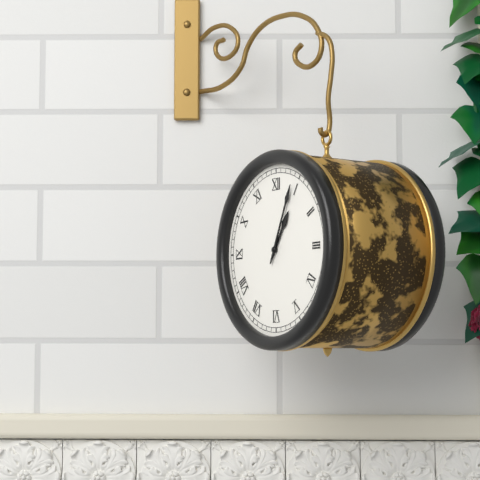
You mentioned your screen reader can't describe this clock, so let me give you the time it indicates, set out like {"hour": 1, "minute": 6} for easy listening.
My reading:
{"hour": 1, "minute": 4}
